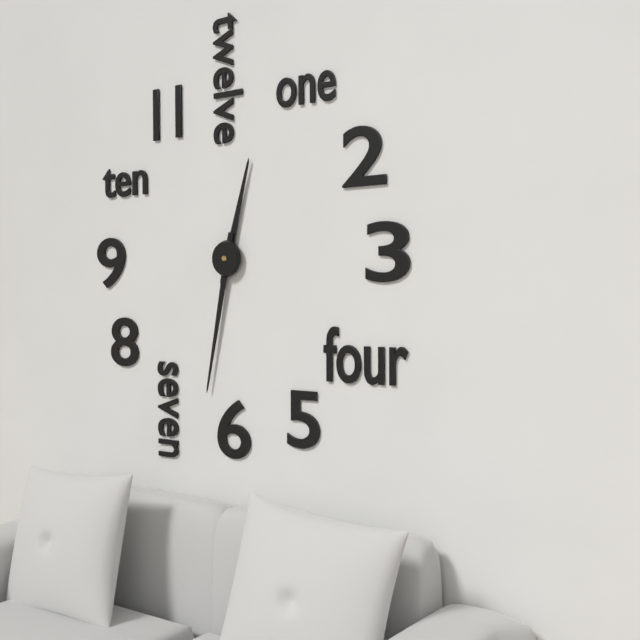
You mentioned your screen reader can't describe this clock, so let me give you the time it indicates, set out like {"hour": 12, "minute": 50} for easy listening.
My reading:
{"hour": 12, "minute": 32}
